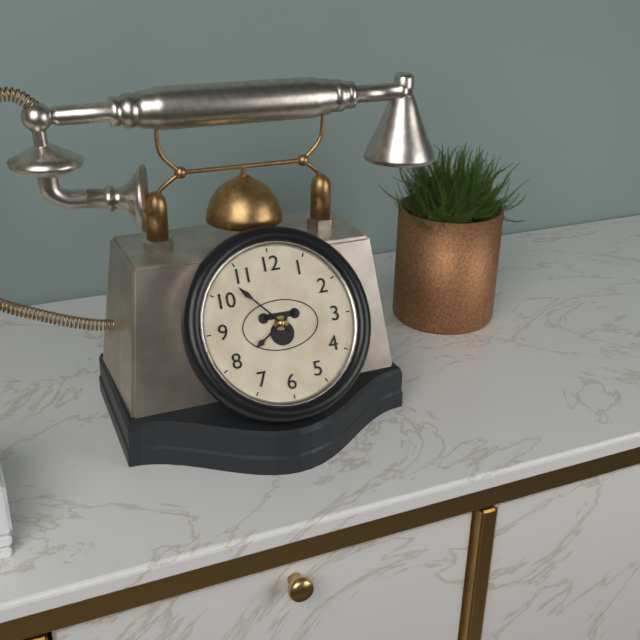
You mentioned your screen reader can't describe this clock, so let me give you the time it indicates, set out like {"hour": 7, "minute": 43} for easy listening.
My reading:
{"hour": 7, "minute": 53}
